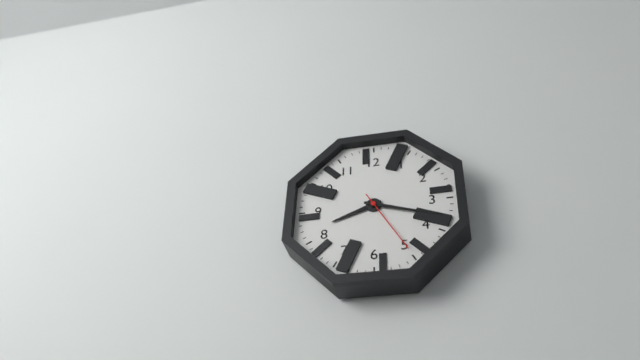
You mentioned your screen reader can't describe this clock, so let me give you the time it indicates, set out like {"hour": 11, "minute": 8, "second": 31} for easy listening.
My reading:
{"hour": 8, "minute": 18, "second": 25}
